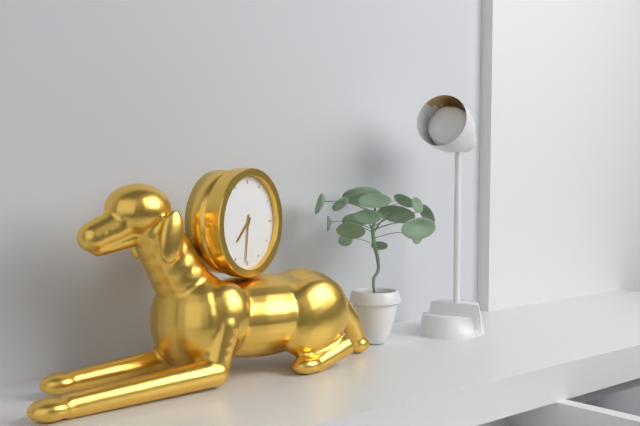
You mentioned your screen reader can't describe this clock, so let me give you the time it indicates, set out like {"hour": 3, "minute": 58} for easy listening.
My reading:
{"hour": 7, "minute": 31}
